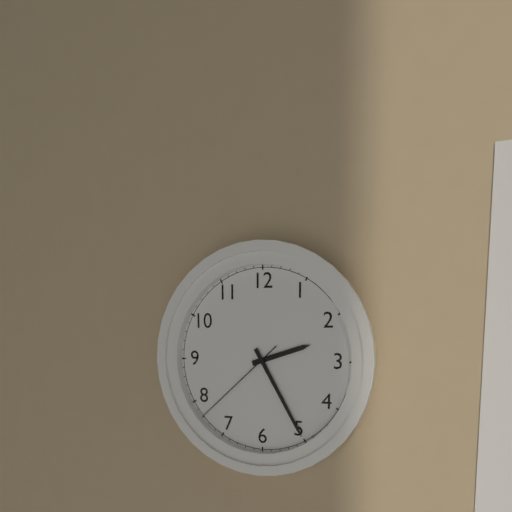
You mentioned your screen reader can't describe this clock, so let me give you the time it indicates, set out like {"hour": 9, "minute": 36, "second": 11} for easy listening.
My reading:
{"hour": 2, "minute": 25, "second": 38}
